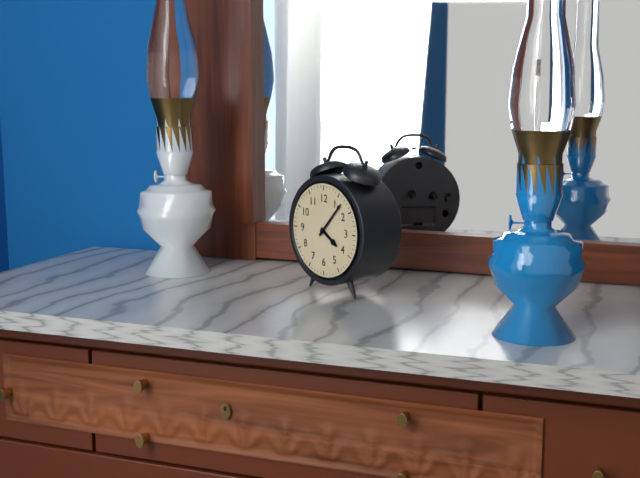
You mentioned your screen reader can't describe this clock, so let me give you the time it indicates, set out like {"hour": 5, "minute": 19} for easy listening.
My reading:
{"hour": 4, "minute": 7}
